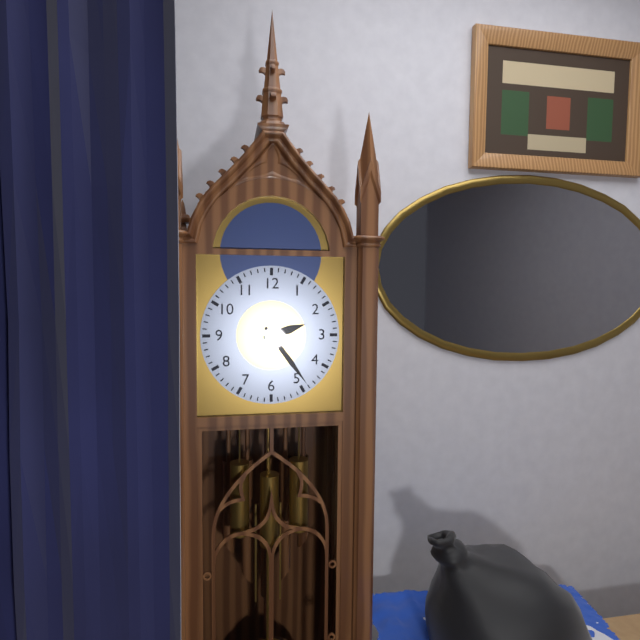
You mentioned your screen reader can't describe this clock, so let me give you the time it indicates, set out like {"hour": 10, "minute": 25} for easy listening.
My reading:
{"hour": 2, "minute": 24}
